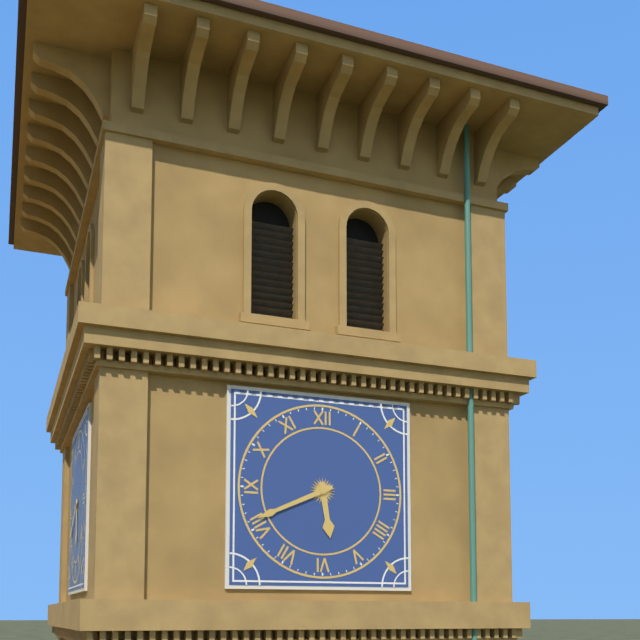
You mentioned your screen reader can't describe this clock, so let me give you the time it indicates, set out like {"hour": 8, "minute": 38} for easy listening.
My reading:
{"hour": 5, "minute": 41}
